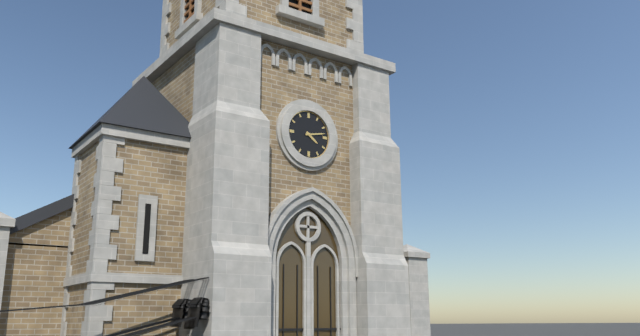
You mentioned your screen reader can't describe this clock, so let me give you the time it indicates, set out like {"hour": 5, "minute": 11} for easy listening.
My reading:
{"hour": 4, "minute": 13}
